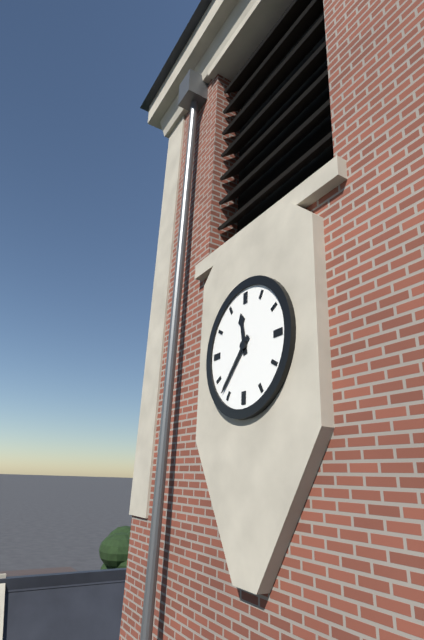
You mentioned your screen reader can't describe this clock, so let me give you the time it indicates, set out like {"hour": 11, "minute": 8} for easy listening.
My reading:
{"hour": 11, "minute": 37}
